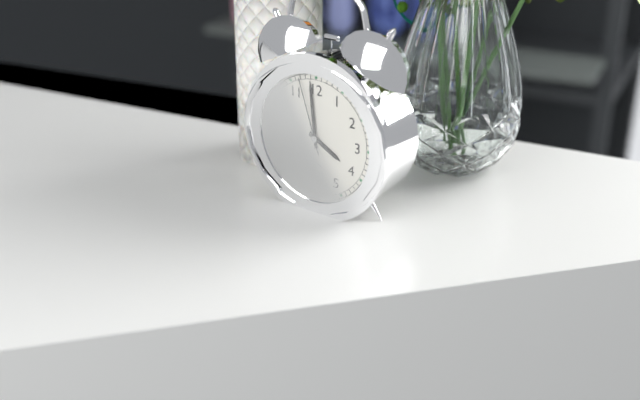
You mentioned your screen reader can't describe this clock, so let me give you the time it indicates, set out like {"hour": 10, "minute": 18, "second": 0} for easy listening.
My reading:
{"hour": 3, "minute": 59, "second": 57}
